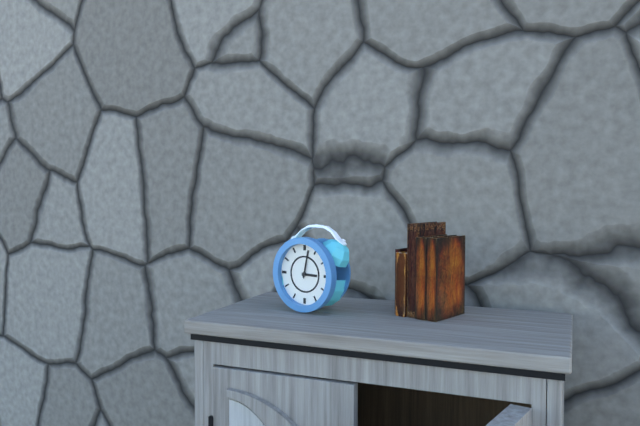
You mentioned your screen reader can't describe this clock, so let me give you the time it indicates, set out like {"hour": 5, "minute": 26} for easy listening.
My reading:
{"hour": 3, "minute": 2}
